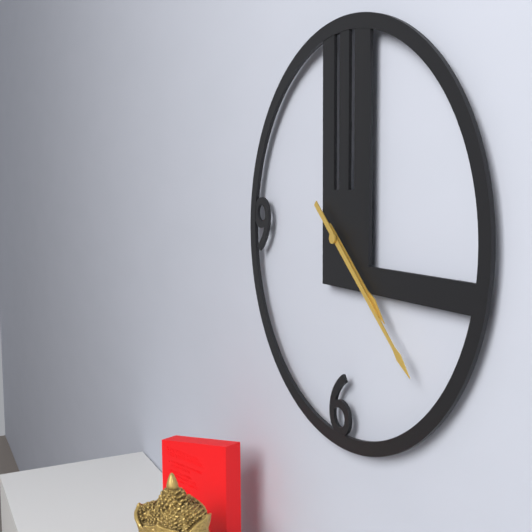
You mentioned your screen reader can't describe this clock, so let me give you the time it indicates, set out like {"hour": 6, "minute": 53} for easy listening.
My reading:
{"hour": 4, "minute": 22}
